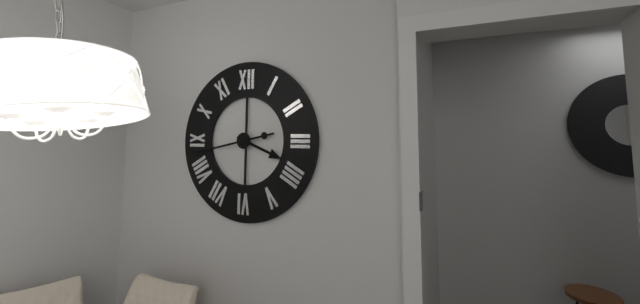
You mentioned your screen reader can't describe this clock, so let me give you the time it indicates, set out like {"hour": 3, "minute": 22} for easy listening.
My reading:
{"hour": 3, "minute": 43}
